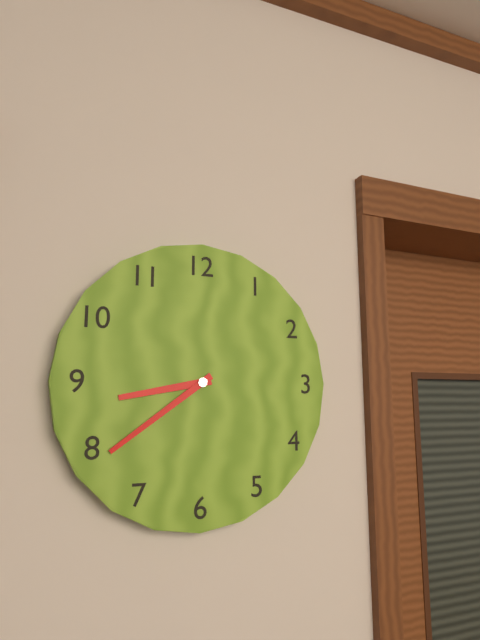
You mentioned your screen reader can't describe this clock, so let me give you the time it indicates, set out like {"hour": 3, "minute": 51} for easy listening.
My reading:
{"hour": 8, "minute": 39}
